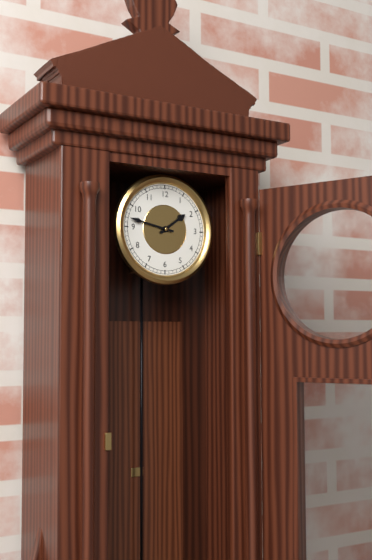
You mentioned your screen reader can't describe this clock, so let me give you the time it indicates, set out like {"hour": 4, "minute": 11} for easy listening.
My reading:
{"hour": 1, "minute": 47}
